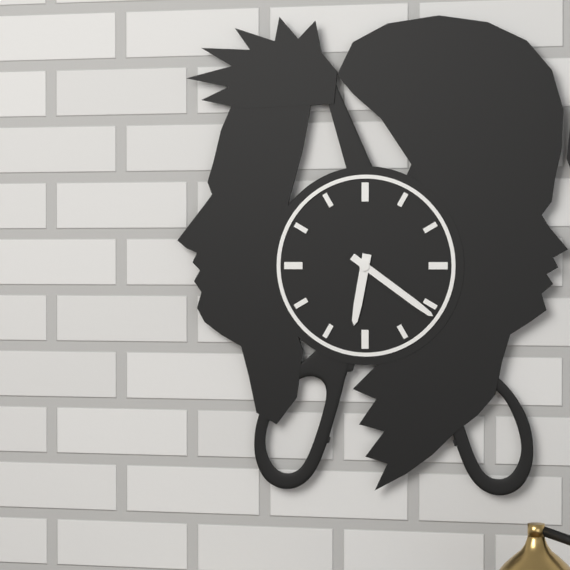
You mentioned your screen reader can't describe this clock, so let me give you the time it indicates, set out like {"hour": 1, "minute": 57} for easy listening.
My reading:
{"hour": 6, "minute": 21}
